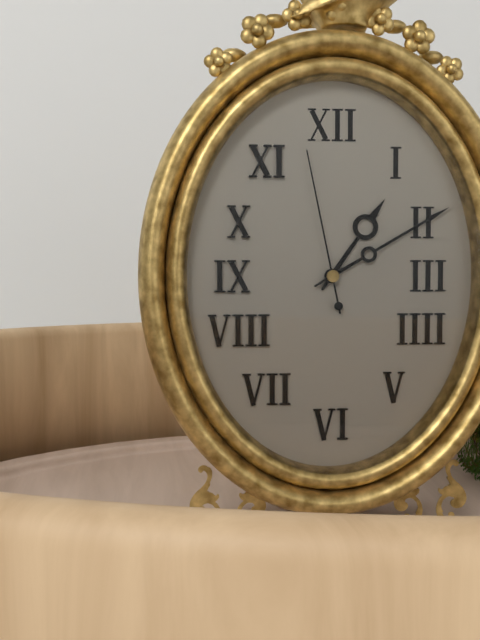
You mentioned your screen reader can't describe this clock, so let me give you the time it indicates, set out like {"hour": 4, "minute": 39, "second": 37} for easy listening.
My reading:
{"hour": 1, "minute": 10, "second": 58}
